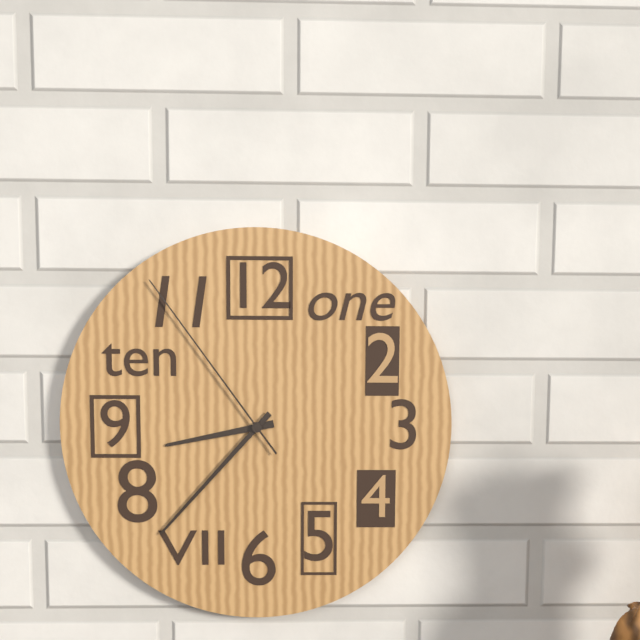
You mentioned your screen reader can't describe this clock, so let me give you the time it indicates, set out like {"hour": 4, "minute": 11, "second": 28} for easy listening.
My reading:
{"hour": 8, "minute": 37, "second": 54}
